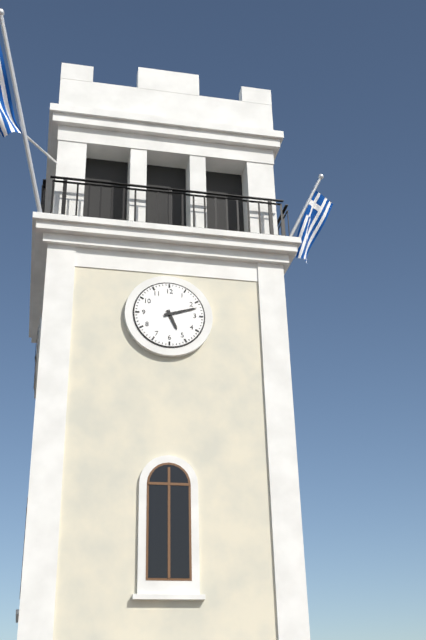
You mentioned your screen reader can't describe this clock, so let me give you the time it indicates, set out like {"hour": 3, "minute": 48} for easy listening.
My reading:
{"hour": 5, "minute": 12}
